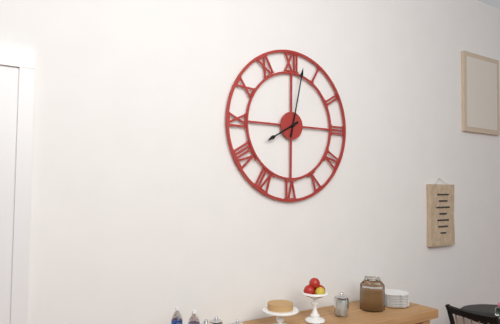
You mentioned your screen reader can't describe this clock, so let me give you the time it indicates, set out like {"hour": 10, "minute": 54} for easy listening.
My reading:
{"hour": 8, "minute": 2}
